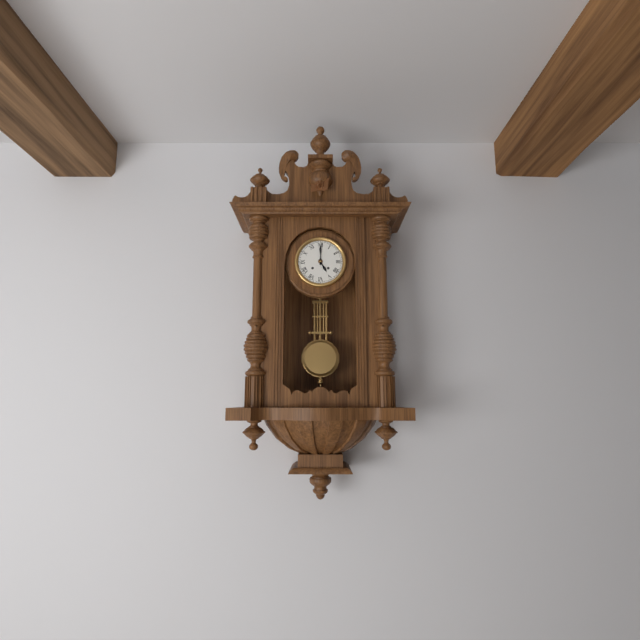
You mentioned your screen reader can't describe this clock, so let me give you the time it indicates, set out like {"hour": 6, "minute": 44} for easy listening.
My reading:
{"hour": 5, "minute": 0}
